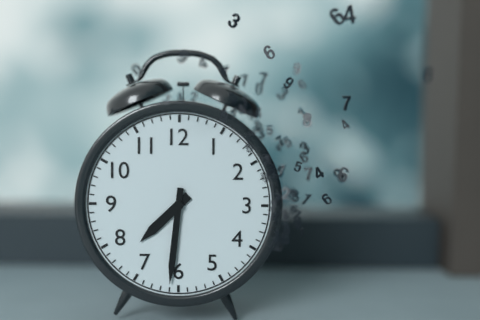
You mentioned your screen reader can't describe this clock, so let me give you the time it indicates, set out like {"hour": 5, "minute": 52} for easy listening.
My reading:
{"hour": 7, "minute": 31}
